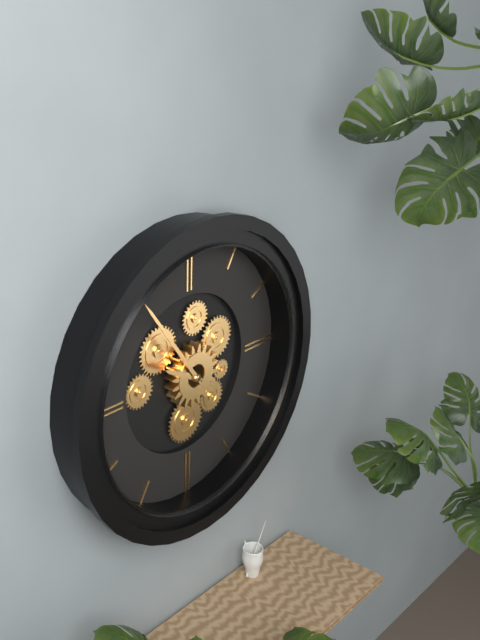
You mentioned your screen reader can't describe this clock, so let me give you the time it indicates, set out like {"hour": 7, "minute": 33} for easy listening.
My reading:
{"hour": 9, "minute": 54}
